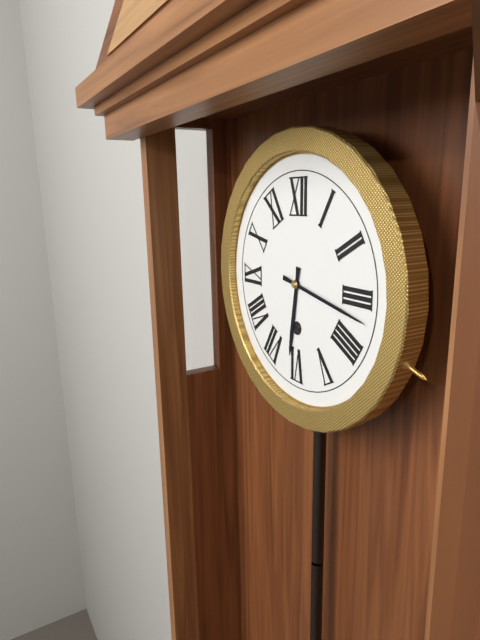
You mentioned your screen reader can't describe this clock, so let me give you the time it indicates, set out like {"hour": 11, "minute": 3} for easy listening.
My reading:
{"hour": 6, "minute": 17}
